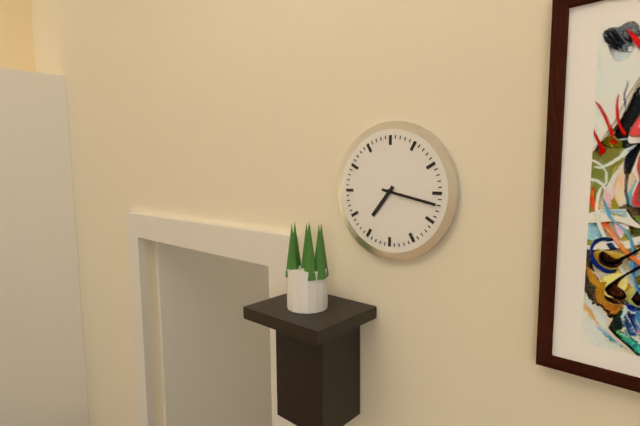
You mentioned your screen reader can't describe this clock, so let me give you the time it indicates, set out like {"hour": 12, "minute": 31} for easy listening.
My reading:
{"hour": 7, "minute": 17}
